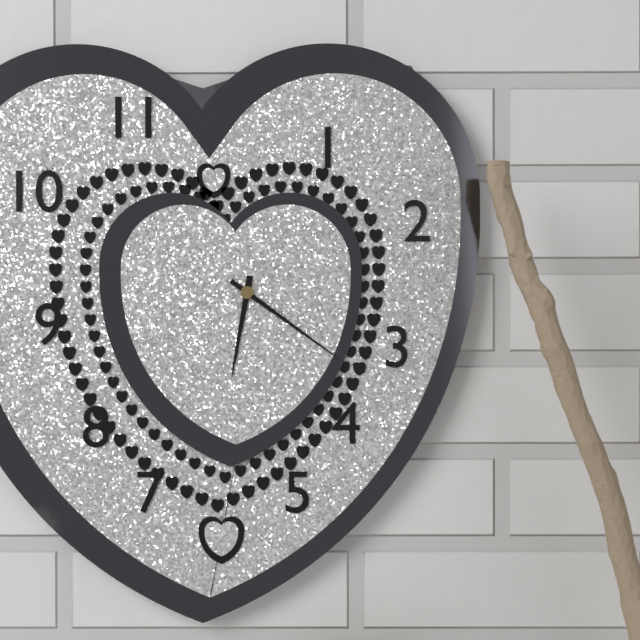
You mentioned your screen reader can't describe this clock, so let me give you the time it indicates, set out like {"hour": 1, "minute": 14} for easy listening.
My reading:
{"hour": 6, "minute": 21}
